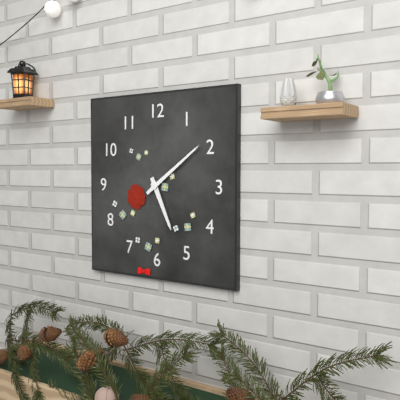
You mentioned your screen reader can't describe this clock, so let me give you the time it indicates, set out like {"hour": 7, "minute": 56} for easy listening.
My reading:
{"hour": 5, "minute": 9}
